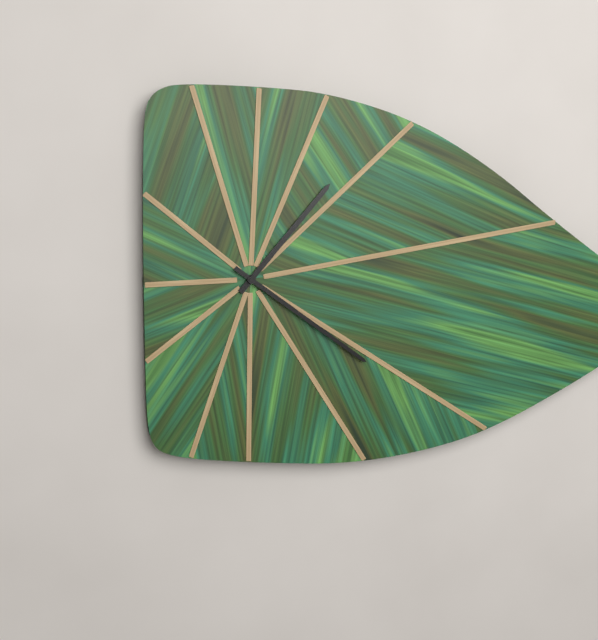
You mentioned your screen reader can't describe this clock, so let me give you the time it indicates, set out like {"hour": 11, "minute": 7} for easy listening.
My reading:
{"hour": 1, "minute": 21}
